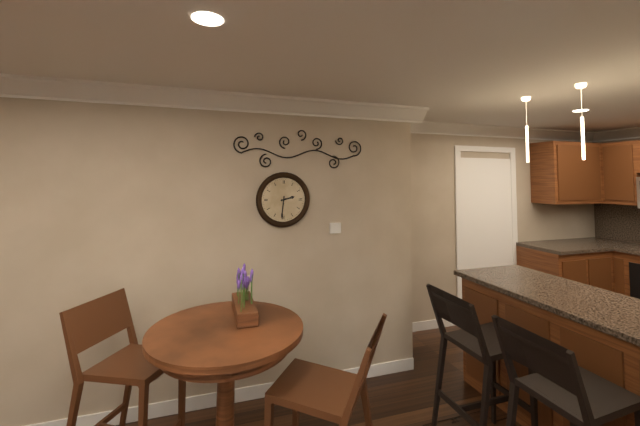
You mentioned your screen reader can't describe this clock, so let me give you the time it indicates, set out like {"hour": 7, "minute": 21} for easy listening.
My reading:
{"hour": 2, "minute": 31}
